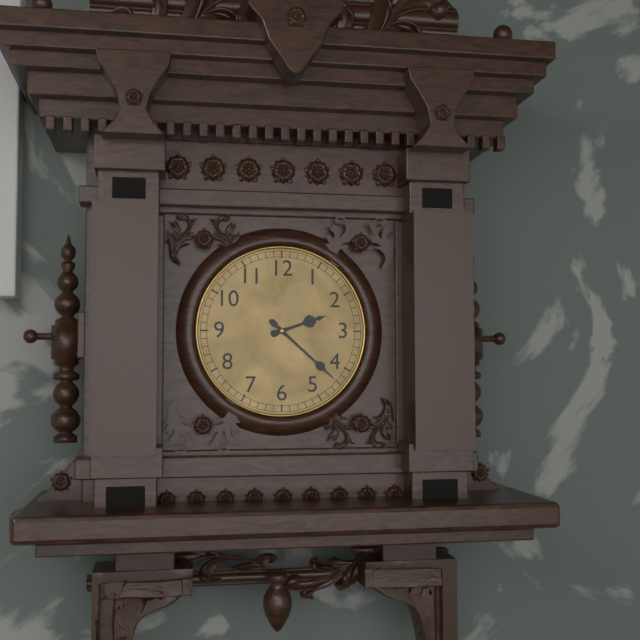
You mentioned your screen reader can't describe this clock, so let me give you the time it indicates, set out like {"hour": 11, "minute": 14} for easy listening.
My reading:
{"hour": 2, "minute": 22}
